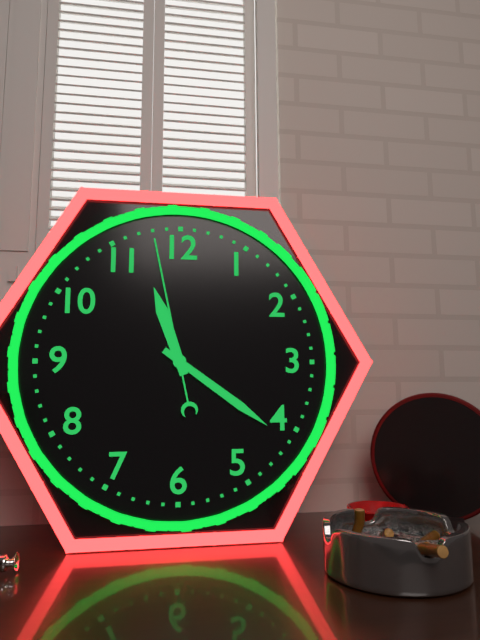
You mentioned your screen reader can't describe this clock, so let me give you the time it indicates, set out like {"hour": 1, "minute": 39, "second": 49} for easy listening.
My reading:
{"hour": 11, "minute": 21, "second": 58}
